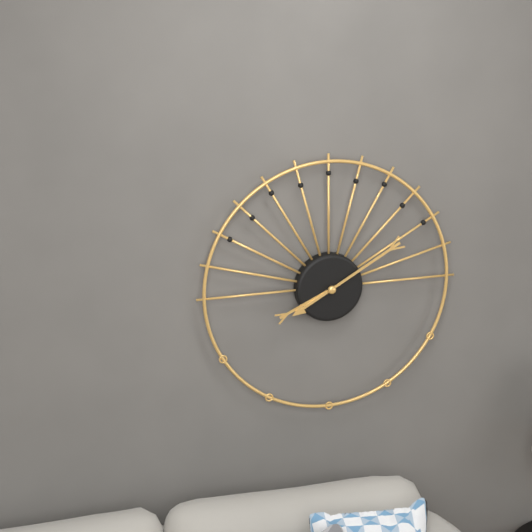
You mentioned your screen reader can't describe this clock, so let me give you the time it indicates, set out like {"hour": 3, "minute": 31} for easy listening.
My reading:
{"hour": 8, "minute": 10}
